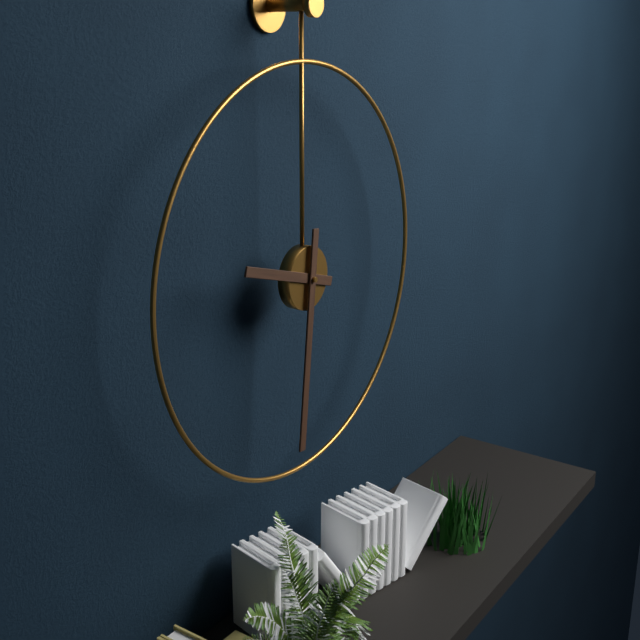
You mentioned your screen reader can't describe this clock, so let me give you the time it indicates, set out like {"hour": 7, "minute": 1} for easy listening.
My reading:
{"hour": 9, "minute": 31}
